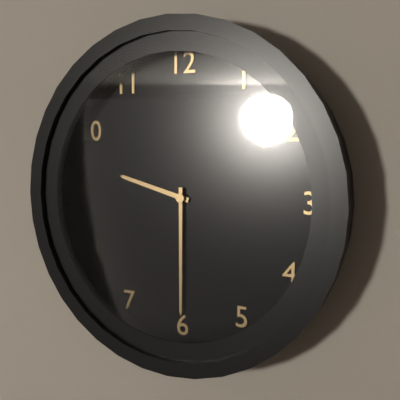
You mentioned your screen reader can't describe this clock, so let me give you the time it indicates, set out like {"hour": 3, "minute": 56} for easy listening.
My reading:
{"hour": 9, "minute": 30}
